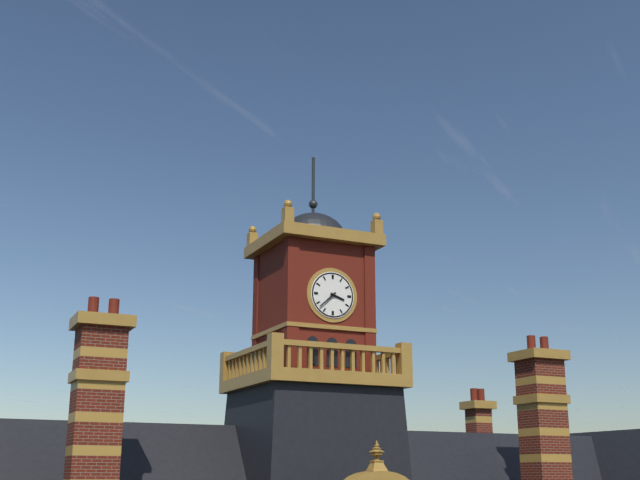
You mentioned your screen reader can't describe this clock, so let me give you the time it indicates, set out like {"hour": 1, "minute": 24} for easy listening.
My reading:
{"hour": 3, "minute": 38}
